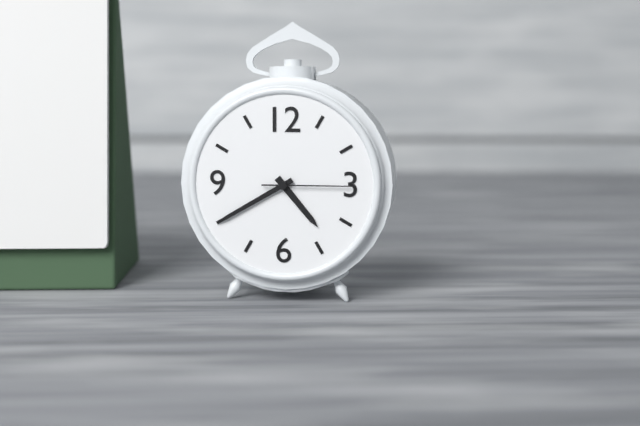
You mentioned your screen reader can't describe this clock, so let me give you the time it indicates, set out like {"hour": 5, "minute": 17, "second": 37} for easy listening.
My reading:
{"hour": 4, "minute": 40, "second": 15}
